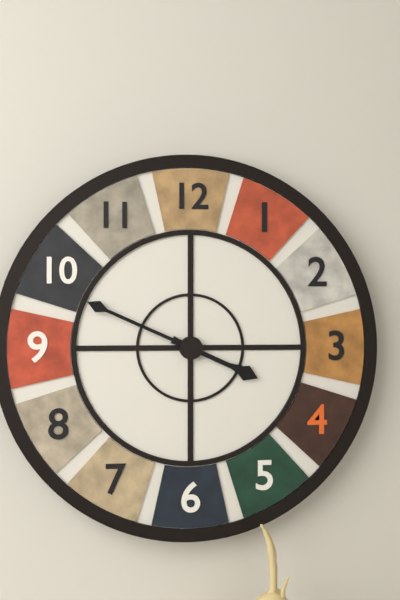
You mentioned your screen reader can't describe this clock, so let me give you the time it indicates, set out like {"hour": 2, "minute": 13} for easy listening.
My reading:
{"hour": 3, "minute": 49}
